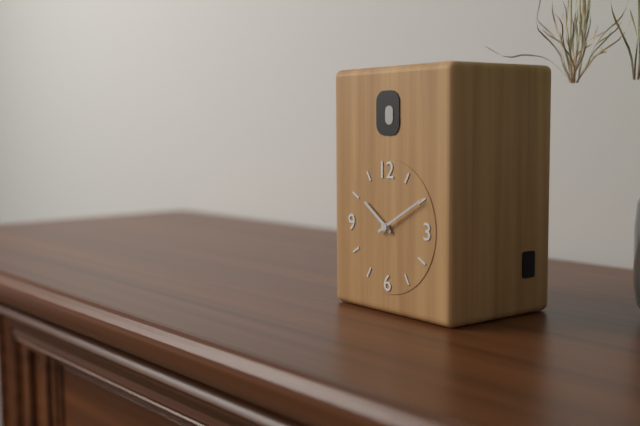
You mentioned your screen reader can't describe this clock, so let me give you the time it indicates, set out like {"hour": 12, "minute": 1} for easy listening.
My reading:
{"hour": 10, "minute": 10}
